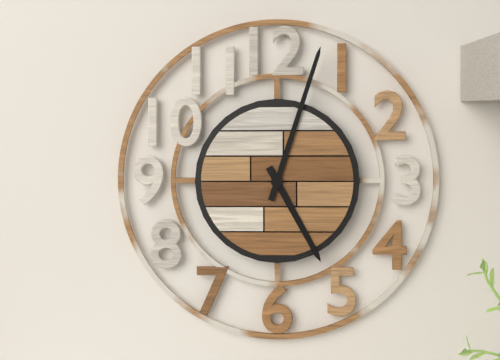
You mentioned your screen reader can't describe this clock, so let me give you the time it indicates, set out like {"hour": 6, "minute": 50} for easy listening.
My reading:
{"hour": 5, "minute": 3}
